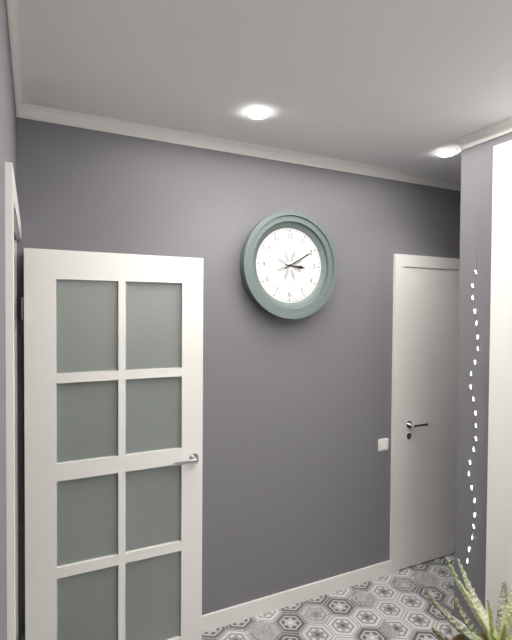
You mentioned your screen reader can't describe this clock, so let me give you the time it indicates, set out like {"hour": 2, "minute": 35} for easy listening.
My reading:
{"hour": 3, "minute": 10}
